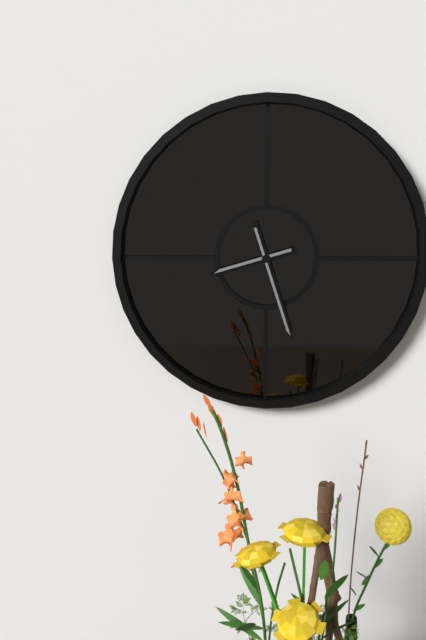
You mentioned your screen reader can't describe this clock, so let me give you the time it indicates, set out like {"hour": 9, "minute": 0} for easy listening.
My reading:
{"hour": 8, "minute": 27}
